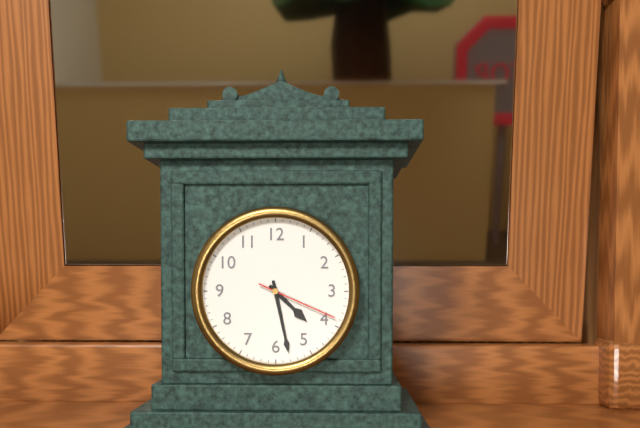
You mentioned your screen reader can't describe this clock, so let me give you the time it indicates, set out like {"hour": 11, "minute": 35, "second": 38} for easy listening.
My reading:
{"hour": 4, "minute": 28, "second": 19}
